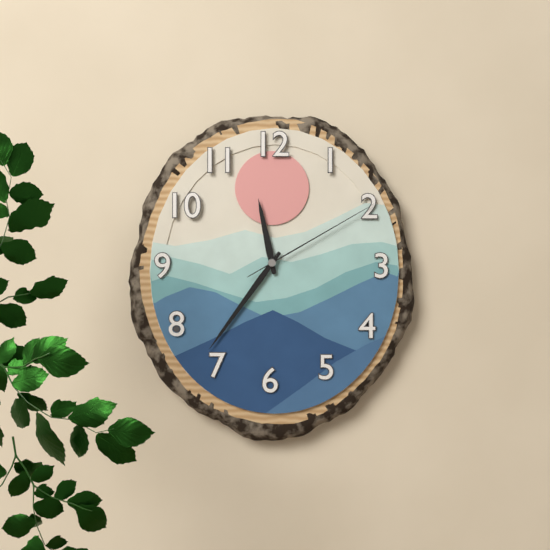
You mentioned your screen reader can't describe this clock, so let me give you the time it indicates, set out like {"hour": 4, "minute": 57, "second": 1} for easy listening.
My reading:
{"hour": 11, "minute": 36, "second": 10}
